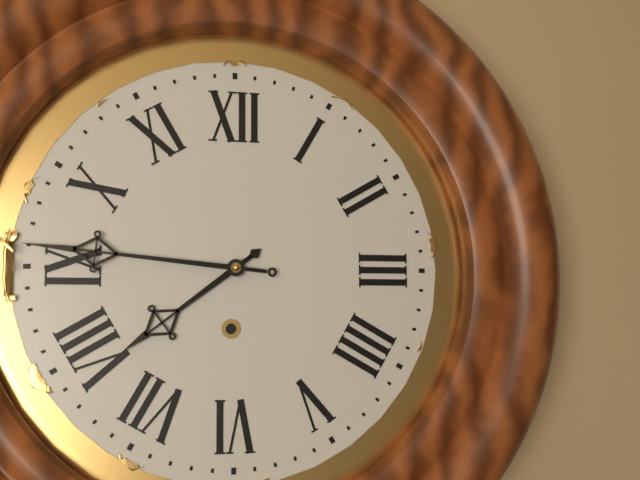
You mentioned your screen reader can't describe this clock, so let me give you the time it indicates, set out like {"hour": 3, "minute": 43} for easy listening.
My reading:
{"hour": 7, "minute": 46}
